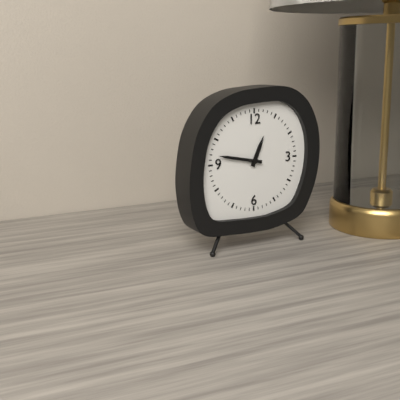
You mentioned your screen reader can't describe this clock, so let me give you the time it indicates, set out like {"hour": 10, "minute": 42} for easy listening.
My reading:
{"hour": 12, "minute": 47}
